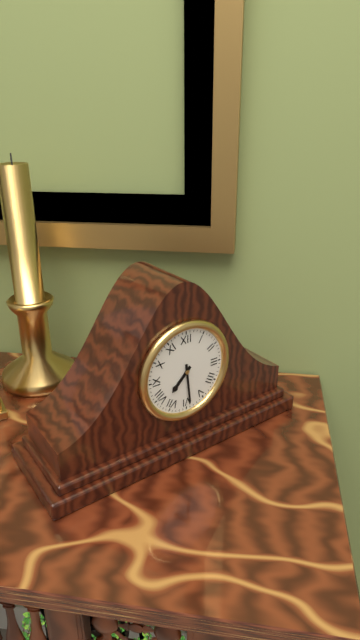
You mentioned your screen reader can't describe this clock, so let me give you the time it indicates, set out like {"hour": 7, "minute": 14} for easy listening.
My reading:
{"hour": 7, "minute": 29}
